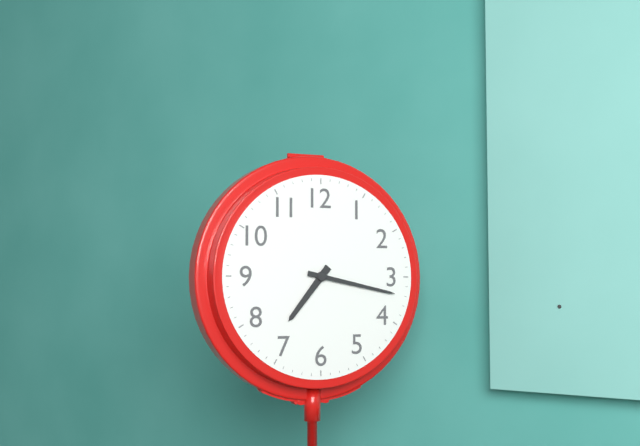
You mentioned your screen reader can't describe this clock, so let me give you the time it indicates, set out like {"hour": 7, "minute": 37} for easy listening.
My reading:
{"hour": 7, "minute": 17}
